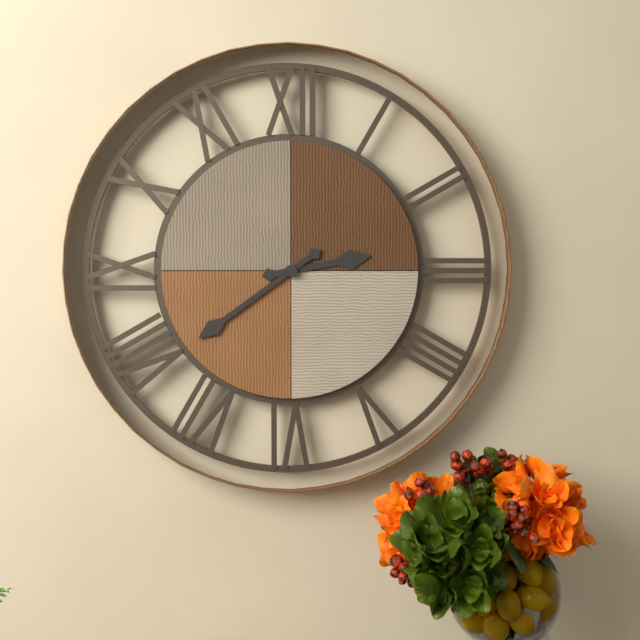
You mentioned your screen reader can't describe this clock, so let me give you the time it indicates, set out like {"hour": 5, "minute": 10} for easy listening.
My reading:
{"hour": 2, "minute": 39}
